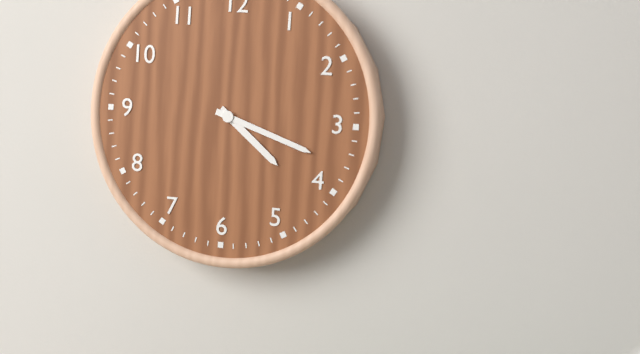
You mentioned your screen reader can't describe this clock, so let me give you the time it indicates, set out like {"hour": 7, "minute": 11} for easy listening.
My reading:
{"hour": 4, "minute": 18}
